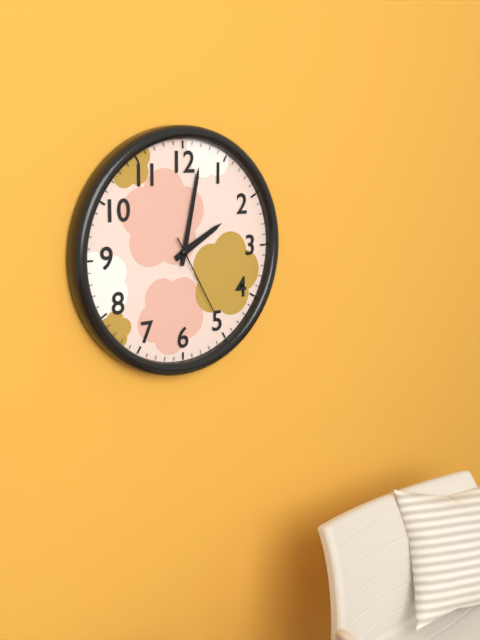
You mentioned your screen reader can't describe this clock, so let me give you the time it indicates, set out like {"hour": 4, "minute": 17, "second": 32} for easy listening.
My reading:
{"hour": 2, "minute": 2, "second": 25}
